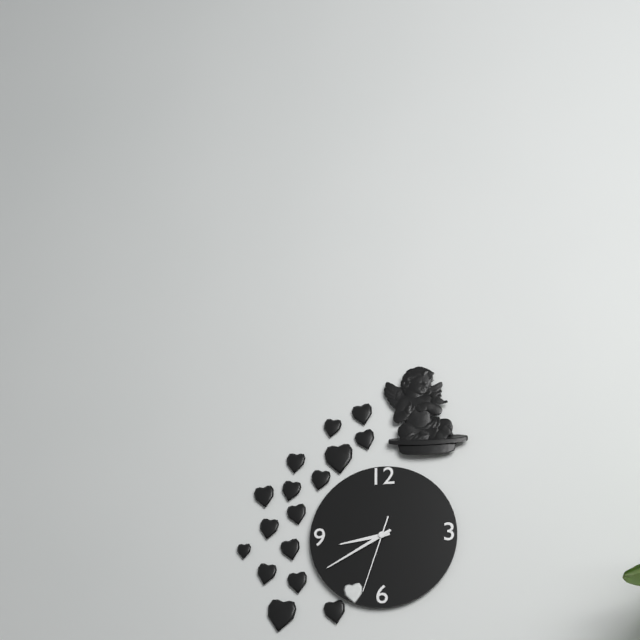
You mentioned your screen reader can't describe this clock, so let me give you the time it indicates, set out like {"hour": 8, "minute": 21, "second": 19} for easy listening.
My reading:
{"hour": 8, "minute": 40, "second": 33}
